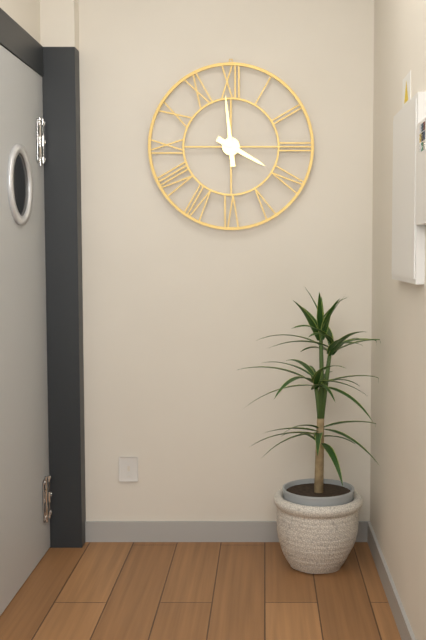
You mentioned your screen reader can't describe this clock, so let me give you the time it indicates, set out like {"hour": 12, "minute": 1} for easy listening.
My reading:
{"hour": 3, "minute": 59}
